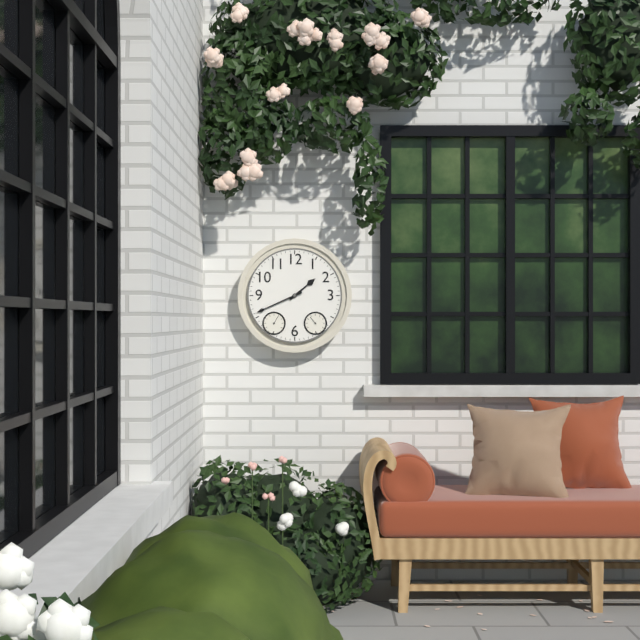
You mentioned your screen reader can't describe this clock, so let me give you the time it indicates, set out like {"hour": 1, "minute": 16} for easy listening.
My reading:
{"hour": 1, "minute": 41}
